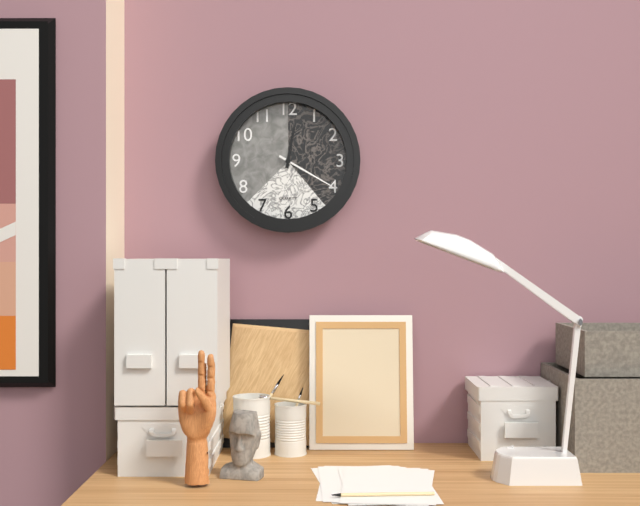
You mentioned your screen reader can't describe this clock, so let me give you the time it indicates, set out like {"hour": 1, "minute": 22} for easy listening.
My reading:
{"hour": 12, "minute": 20}
